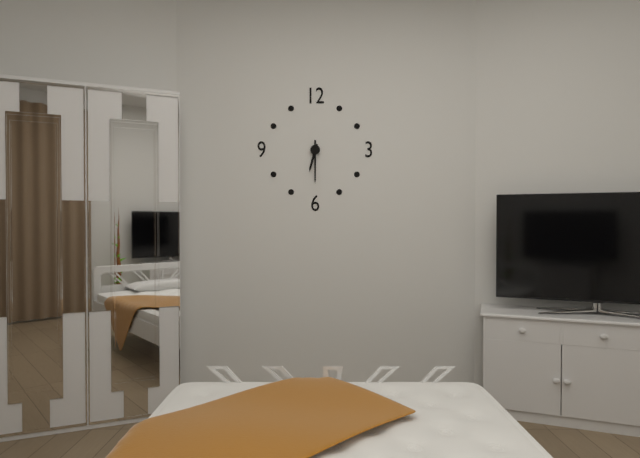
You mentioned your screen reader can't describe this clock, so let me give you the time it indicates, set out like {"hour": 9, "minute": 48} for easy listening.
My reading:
{"hour": 6, "minute": 30}
